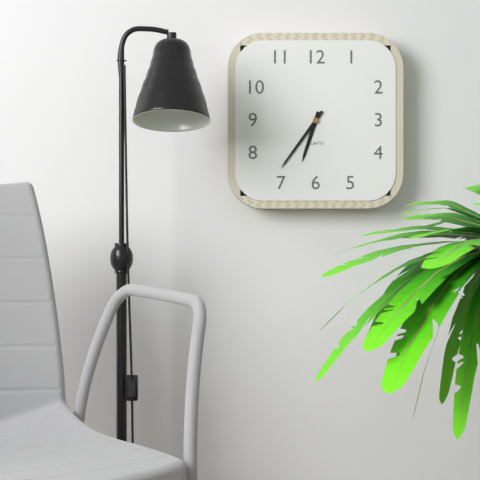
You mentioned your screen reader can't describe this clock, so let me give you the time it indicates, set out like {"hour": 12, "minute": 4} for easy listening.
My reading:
{"hour": 6, "minute": 36}
